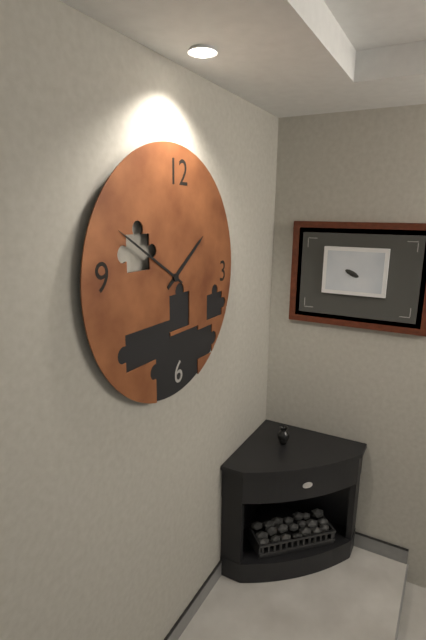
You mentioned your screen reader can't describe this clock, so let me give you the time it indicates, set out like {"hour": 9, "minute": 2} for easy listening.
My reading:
{"hour": 1, "minute": 50}
